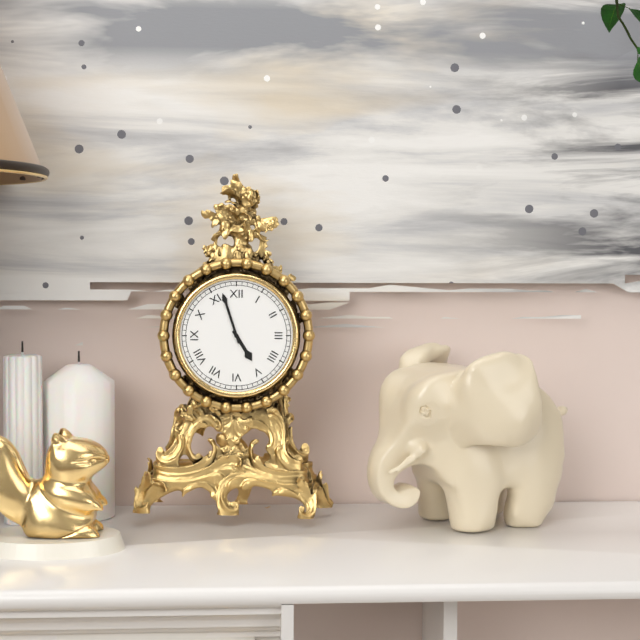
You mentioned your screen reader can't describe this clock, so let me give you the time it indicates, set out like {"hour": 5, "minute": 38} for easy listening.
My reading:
{"hour": 4, "minute": 57}
